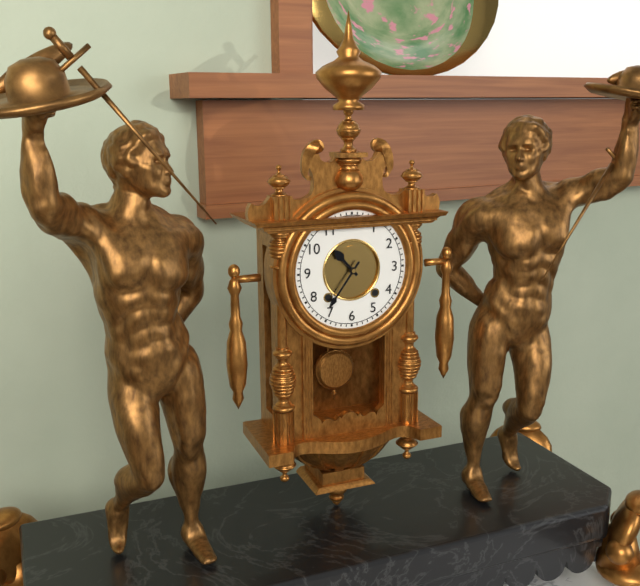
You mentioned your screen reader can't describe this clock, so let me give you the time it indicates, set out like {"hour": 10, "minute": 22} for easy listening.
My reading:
{"hour": 10, "minute": 36}
